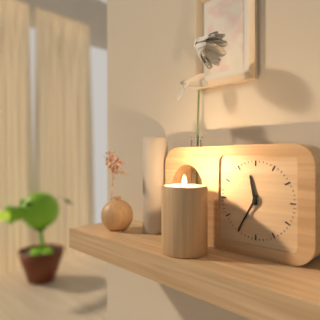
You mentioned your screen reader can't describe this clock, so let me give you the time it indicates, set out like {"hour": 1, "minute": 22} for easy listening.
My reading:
{"hour": 11, "minute": 35}
